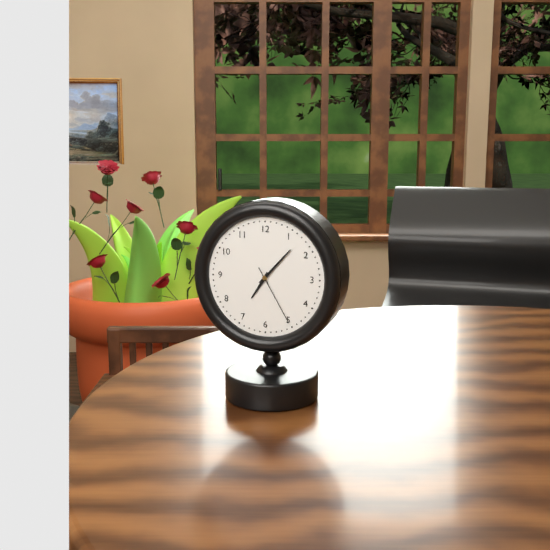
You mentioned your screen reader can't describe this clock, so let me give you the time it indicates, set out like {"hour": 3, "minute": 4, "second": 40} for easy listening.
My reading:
{"hour": 7, "minute": 7, "second": 25}
